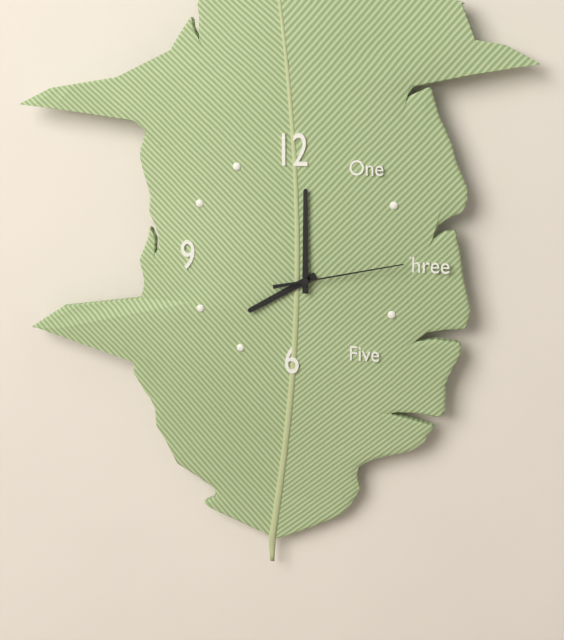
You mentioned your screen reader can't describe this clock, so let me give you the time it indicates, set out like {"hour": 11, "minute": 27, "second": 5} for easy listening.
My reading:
{"hour": 8, "minute": 0, "second": 13}
